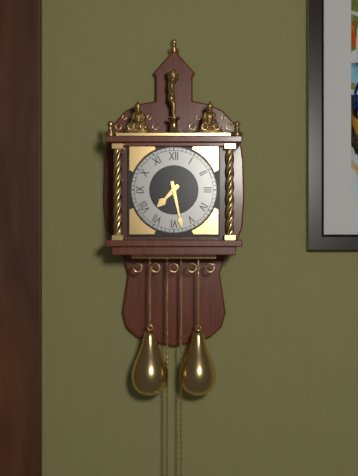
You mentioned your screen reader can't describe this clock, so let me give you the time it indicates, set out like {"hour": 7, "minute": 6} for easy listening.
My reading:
{"hour": 7, "minute": 28}
